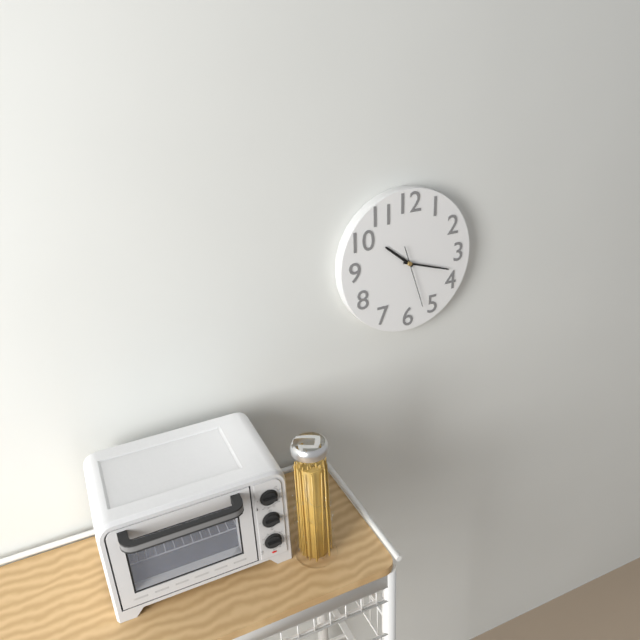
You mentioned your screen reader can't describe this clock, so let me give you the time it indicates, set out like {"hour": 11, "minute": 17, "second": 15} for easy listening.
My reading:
{"hour": 10, "minute": 18, "second": 27}
